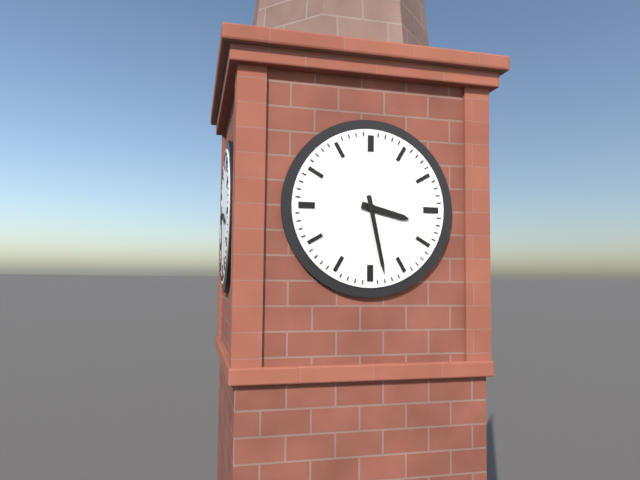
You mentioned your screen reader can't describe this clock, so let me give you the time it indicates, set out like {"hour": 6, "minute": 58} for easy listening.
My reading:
{"hour": 3, "minute": 28}
